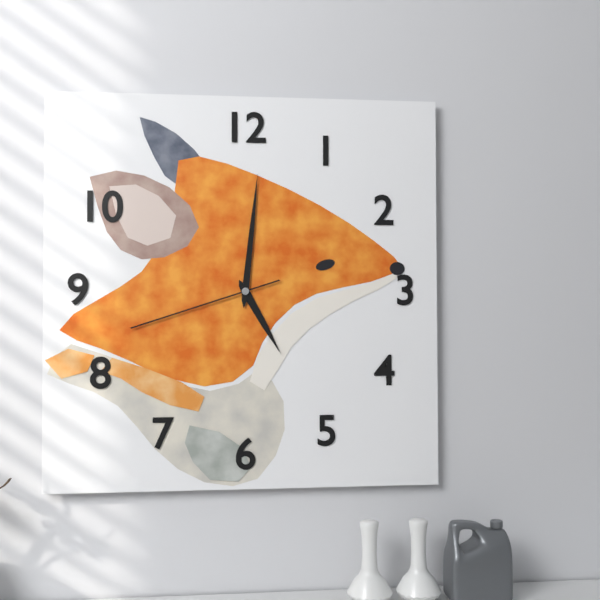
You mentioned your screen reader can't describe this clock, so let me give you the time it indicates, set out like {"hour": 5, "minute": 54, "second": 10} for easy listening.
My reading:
{"hour": 5, "minute": 1, "second": 42}
